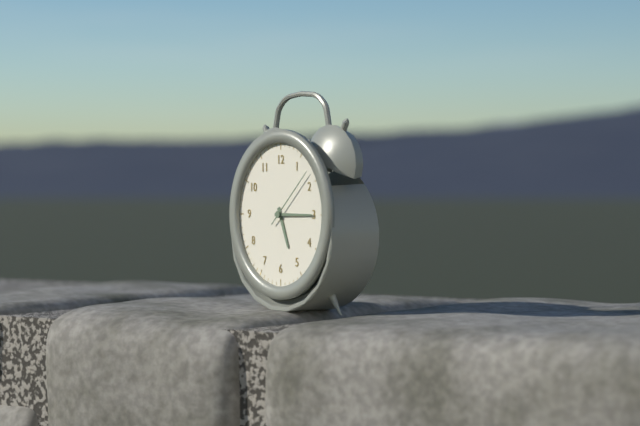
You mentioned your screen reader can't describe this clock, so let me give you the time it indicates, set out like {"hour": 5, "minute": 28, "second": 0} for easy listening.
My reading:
{"hour": 5, "minute": 15, "second": 8}
